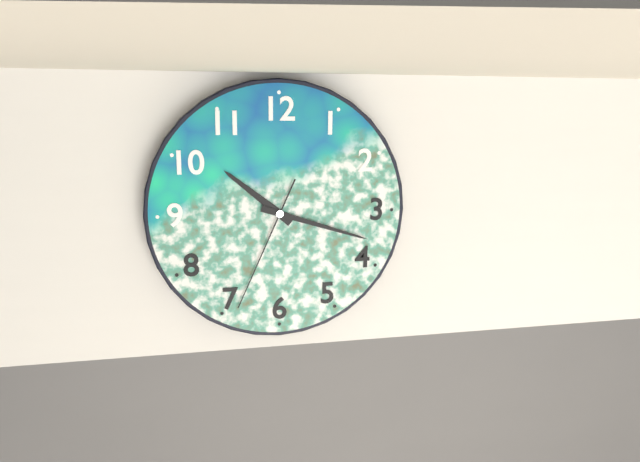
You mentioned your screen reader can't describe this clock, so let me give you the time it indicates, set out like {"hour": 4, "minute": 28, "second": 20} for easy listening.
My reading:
{"hour": 10, "minute": 18, "second": 34}
